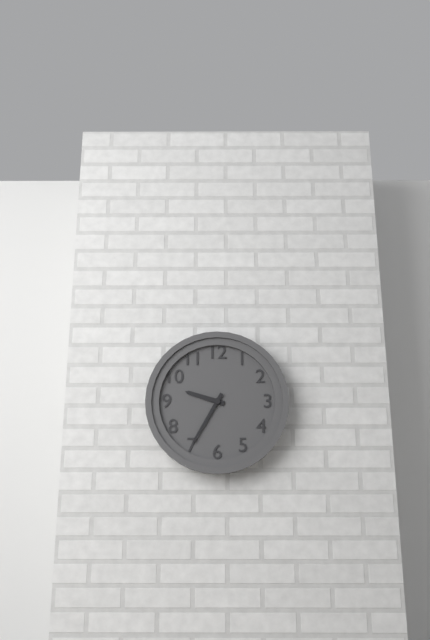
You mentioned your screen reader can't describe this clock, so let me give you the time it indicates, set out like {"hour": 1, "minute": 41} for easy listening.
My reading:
{"hour": 9, "minute": 35}
